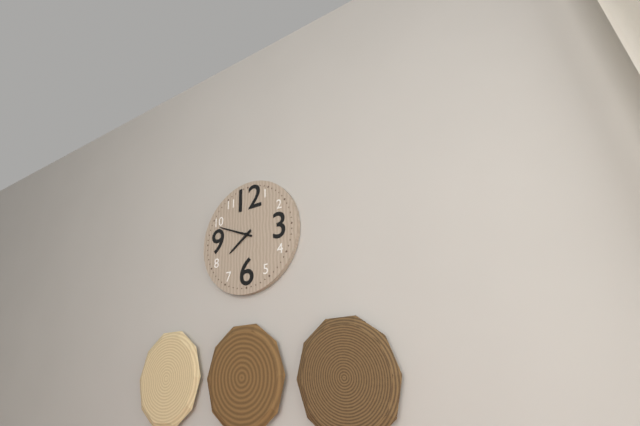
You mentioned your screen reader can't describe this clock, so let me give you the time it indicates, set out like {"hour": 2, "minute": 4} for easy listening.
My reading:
{"hour": 7, "minute": 49}
